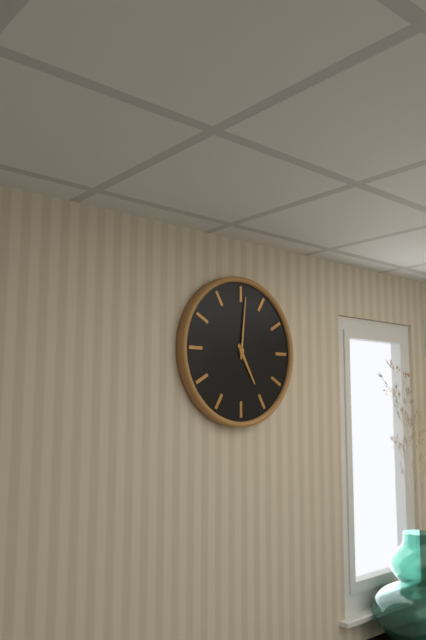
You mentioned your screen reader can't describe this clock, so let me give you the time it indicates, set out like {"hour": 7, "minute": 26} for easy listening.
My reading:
{"hour": 5, "minute": 1}
